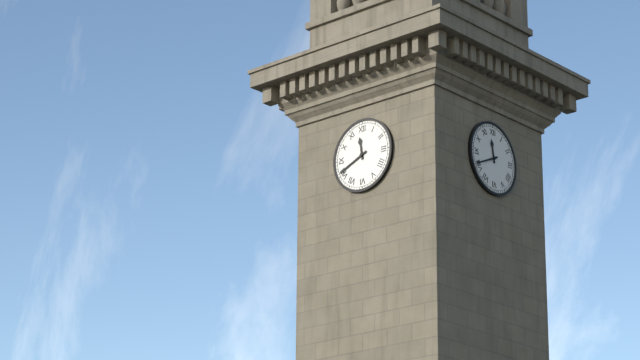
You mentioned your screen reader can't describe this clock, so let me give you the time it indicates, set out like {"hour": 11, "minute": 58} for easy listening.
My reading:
{"hour": 11, "minute": 41}
